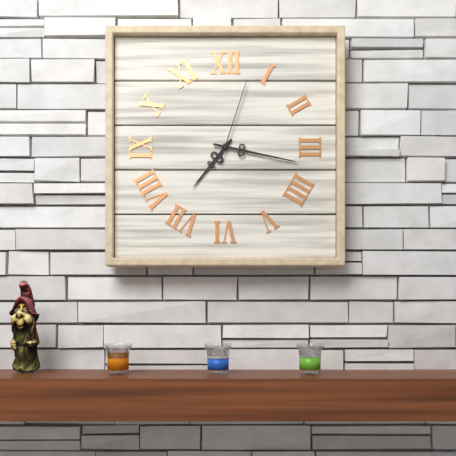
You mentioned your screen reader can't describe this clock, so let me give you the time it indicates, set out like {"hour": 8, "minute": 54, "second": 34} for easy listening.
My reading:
{"hour": 7, "minute": 17, "second": 3}
